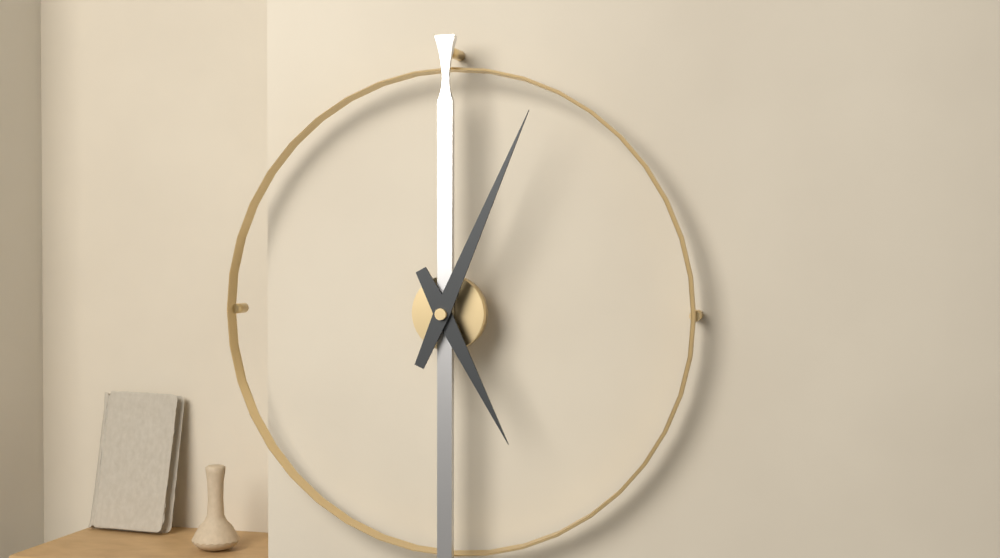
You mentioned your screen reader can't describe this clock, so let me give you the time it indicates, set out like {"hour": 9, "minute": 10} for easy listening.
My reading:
{"hour": 5, "minute": 4}
